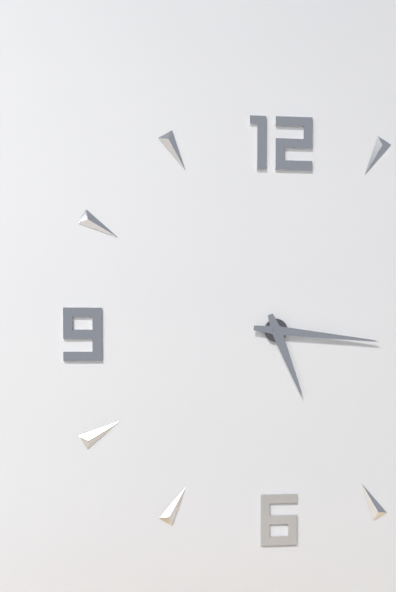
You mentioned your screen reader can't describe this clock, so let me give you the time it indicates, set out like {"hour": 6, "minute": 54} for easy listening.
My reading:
{"hour": 5, "minute": 16}
